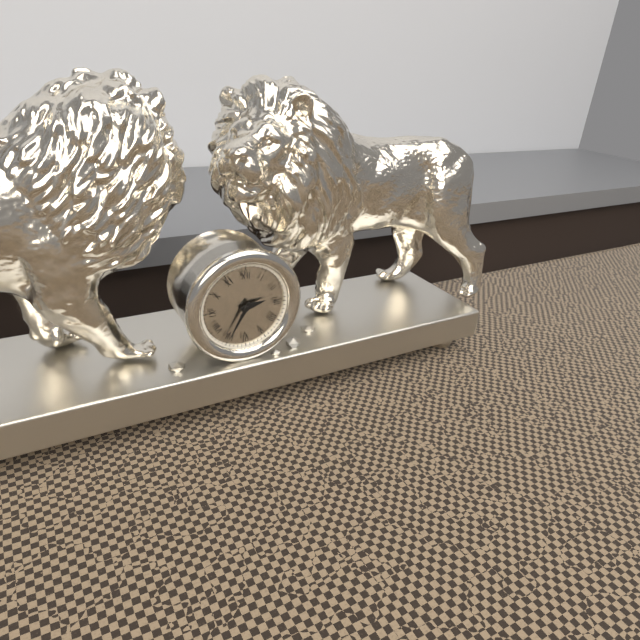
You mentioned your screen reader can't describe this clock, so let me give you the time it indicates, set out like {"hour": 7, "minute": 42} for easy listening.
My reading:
{"hour": 2, "minute": 35}
